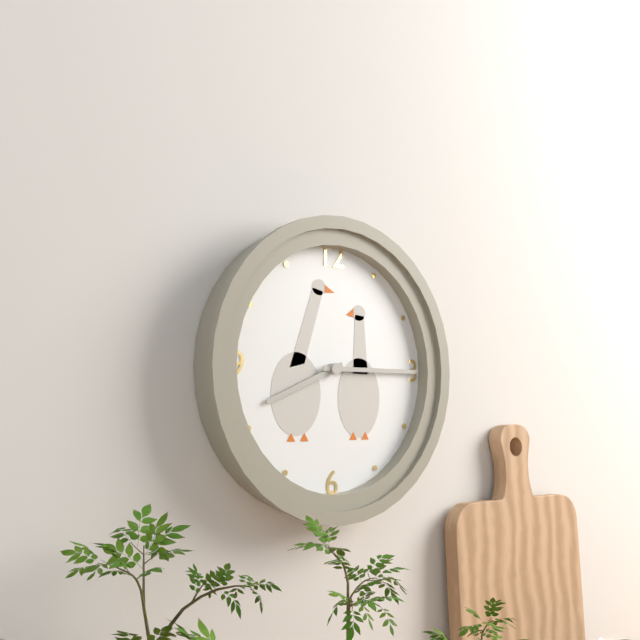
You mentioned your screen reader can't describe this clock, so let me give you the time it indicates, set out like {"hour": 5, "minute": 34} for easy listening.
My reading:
{"hour": 8, "minute": 15}
